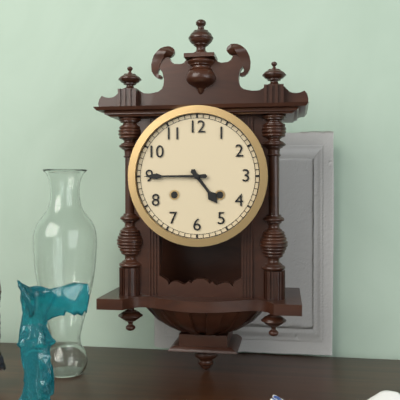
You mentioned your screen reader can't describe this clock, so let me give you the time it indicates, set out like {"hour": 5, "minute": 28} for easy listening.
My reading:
{"hour": 4, "minute": 45}
